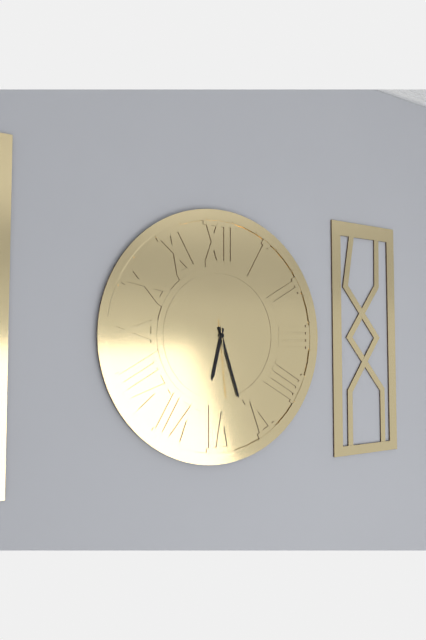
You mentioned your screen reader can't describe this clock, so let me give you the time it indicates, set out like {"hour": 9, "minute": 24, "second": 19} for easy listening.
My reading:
{"hour": 6, "minute": 27, "second": 29}
